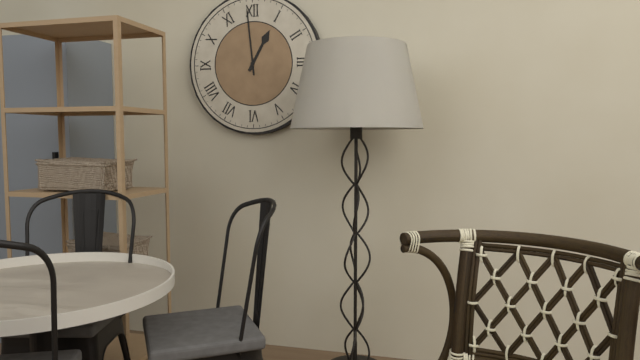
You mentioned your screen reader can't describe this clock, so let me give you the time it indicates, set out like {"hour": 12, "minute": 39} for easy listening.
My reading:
{"hour": 12, "minute": 59}
